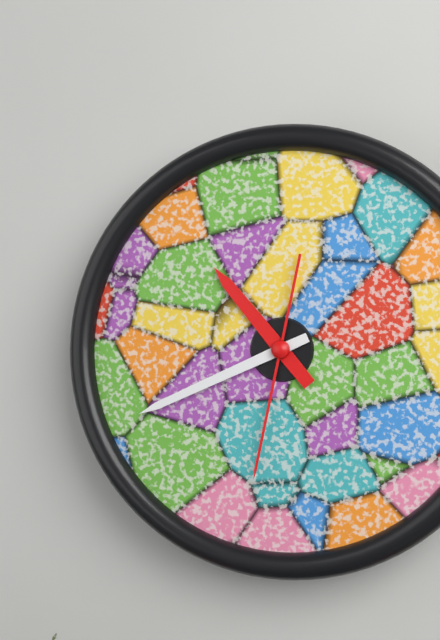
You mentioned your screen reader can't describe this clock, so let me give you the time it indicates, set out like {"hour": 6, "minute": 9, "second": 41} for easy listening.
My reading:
{"hour": 10, "minute": 41, "second": 32}
